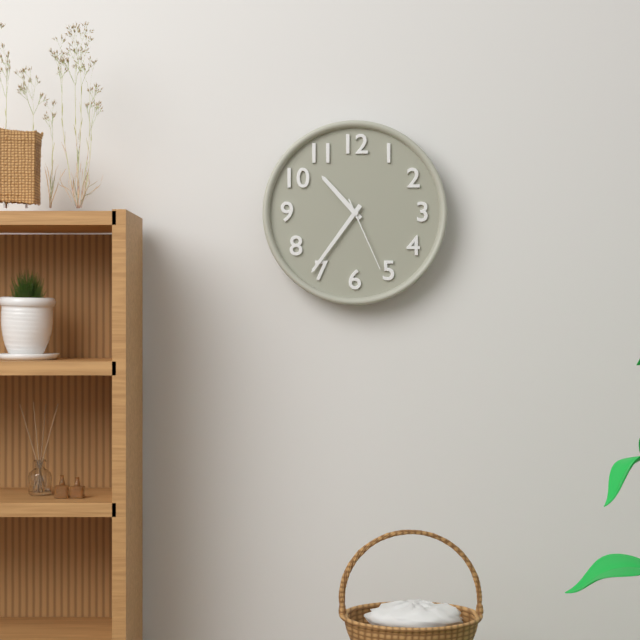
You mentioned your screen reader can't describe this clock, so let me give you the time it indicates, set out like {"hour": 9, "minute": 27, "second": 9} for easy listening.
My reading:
{"hour": 10, "minute": 36, "second": 26}
